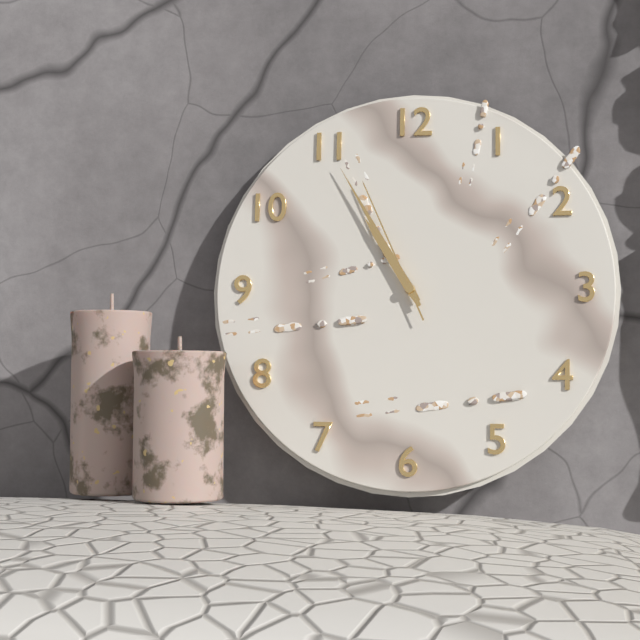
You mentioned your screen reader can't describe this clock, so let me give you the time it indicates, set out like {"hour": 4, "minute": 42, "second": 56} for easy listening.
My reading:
{"hour": 10, "minute": 55, "second": 56}
